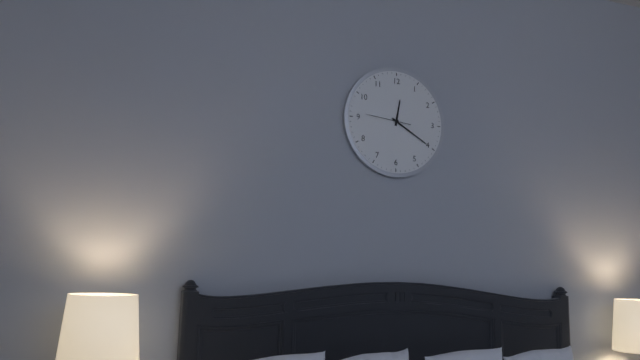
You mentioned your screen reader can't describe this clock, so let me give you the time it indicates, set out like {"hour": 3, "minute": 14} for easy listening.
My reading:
{"hour": 12, "minute": 20}
